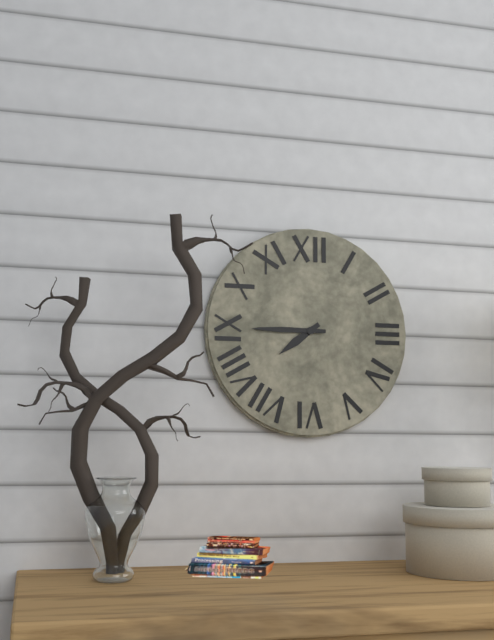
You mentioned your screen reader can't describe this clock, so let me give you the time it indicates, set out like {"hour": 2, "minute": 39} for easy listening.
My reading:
{"hour": 7, "minute": 45}
